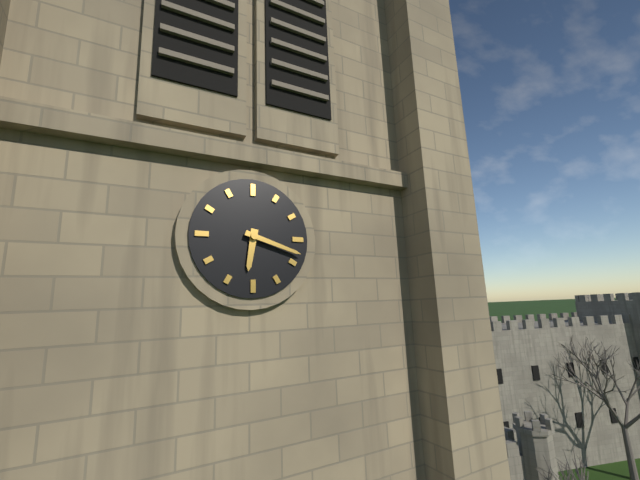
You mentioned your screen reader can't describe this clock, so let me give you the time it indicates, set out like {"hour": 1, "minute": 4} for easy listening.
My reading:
{"hour": 6, "minute": 18}
